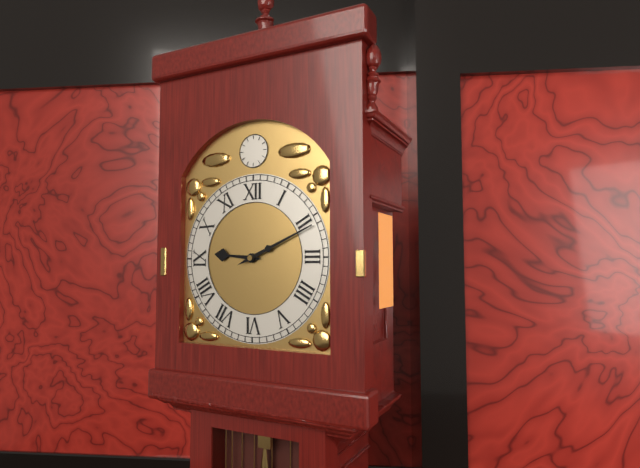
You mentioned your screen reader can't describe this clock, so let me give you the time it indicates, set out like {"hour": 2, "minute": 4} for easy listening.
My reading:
{"hour": 9, "minute": 11}
